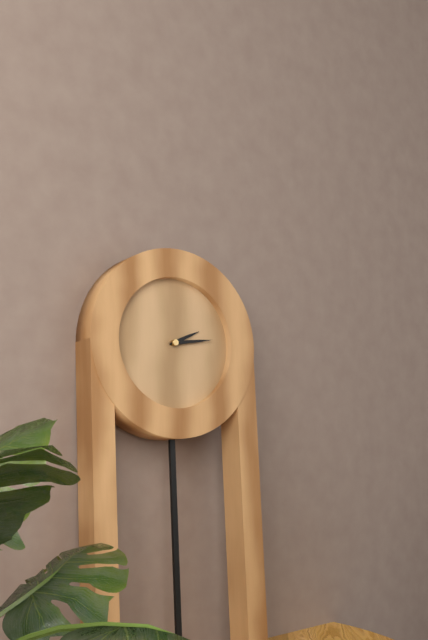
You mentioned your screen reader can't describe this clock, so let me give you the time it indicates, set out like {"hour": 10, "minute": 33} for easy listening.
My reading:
{"hour": 2, "minute": 14}
